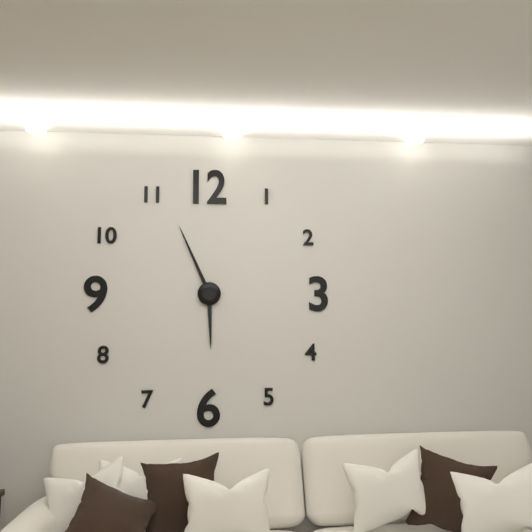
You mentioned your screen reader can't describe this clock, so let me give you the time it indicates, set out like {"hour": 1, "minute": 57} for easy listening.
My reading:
{"hour": 5, "minute": 56}
